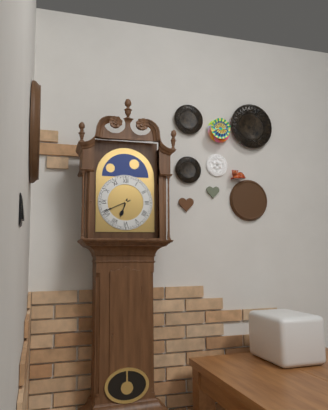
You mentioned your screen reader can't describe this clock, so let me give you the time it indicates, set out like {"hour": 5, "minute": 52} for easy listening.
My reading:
{"hour": 6, "minute": 41}
